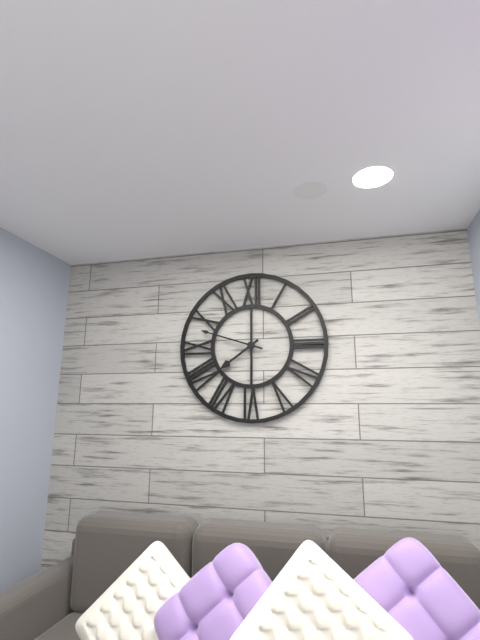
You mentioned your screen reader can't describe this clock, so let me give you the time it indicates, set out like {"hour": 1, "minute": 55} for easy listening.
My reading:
{"hour": 7, "minute": 48}
